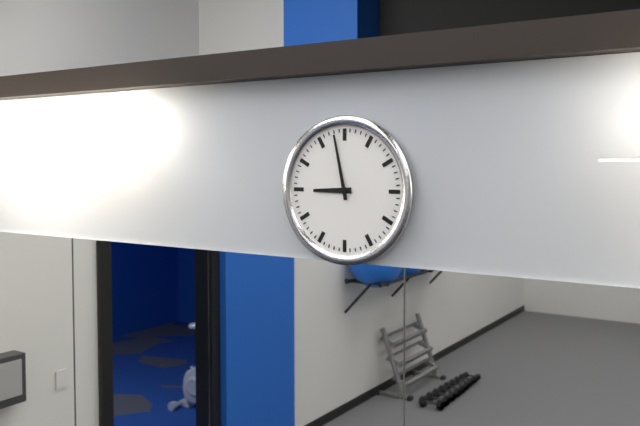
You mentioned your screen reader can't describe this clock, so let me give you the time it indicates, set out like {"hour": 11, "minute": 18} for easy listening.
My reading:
{"hour": 8, "minute": 58}
